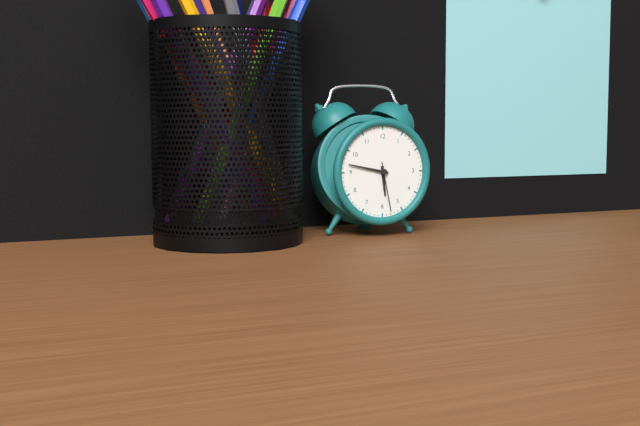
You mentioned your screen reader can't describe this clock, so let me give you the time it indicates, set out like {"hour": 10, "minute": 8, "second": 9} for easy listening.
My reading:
{"hour": 5, "minute": 47, "second": 28}
